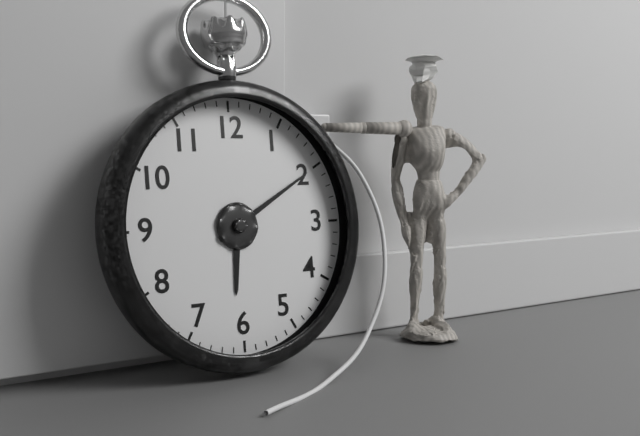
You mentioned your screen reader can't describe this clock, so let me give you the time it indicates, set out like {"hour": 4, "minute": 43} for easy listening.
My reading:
{"hour": 6, "minute": 10}
